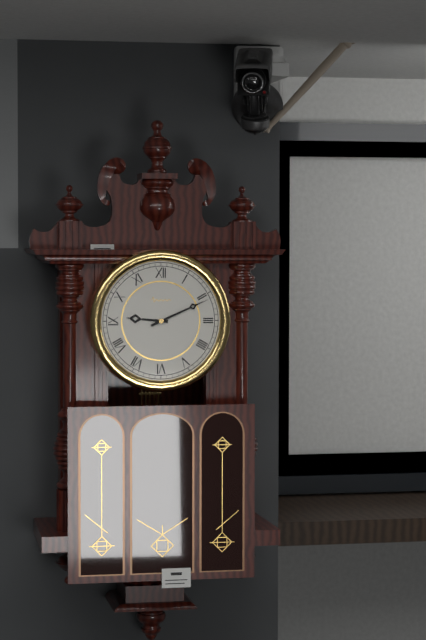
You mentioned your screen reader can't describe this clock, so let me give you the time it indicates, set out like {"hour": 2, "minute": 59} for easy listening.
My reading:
{"hour": 9, "minute": 11}
